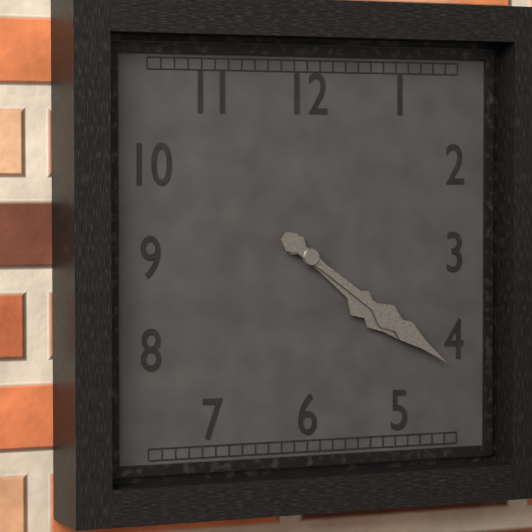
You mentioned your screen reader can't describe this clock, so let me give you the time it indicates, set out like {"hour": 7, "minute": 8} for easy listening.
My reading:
{"hour": 4, "minute": 21}
